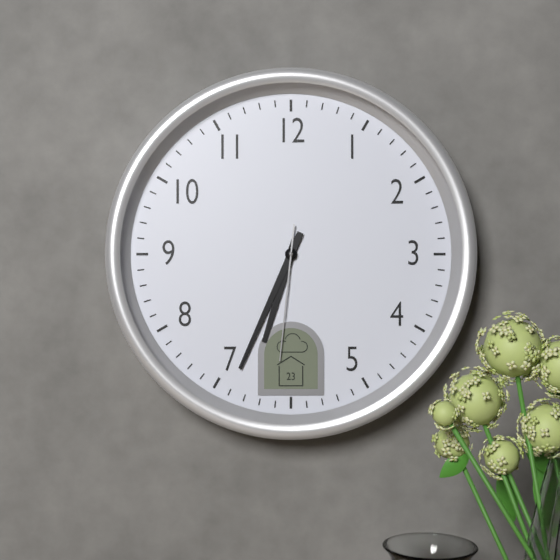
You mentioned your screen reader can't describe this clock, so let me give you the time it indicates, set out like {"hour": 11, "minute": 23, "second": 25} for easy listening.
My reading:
{"hour": 6, "minute": 34, "second": 31}
